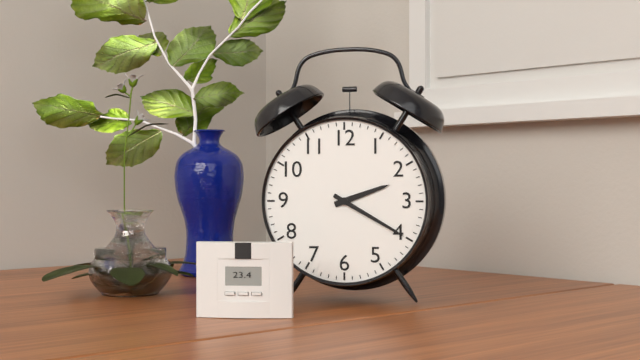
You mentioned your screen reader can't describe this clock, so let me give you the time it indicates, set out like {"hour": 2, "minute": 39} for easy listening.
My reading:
{"hour": 2, "minute": 20}
